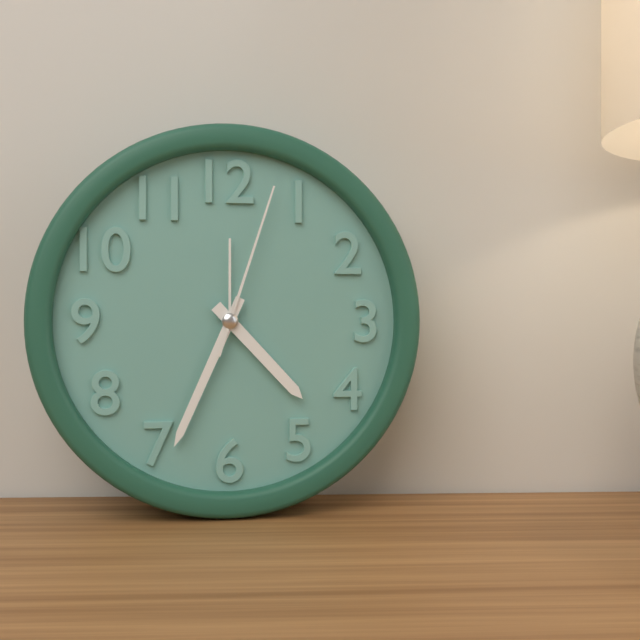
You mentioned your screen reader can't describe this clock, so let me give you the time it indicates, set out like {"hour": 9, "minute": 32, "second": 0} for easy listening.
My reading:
{"hour": 4, "minute": 34, "second": 3}
